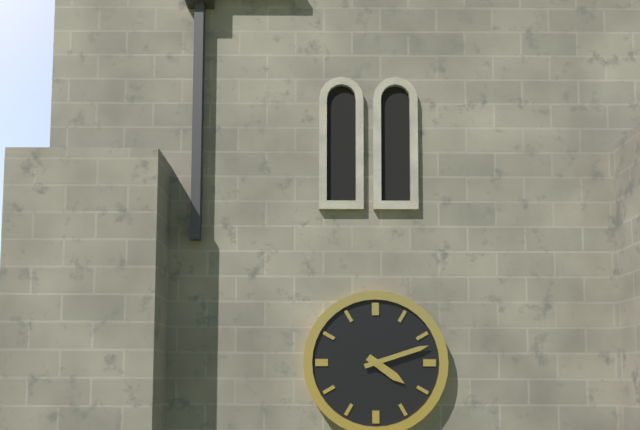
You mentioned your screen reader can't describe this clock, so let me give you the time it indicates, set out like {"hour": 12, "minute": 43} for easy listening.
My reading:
{"hour": 4, "minute": 12}
